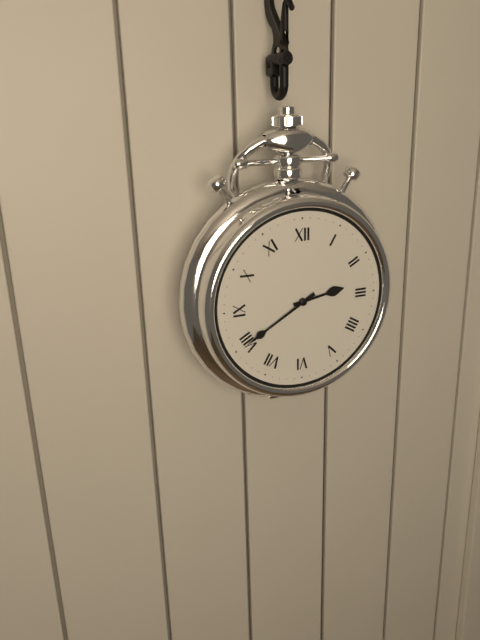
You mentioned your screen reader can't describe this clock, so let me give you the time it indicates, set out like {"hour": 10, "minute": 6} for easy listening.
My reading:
{"hour": 2, "minute": 40}
